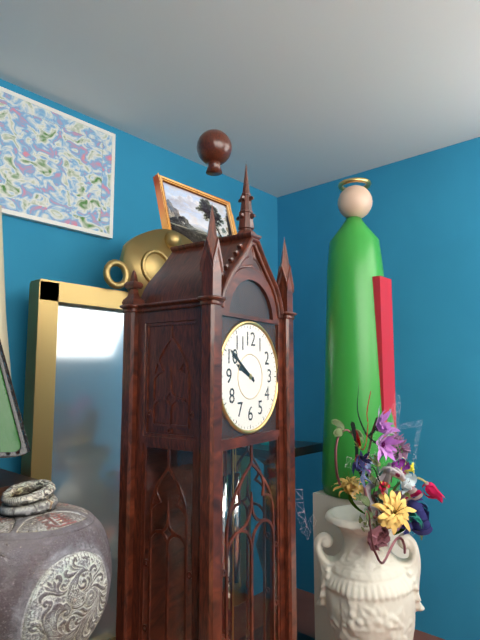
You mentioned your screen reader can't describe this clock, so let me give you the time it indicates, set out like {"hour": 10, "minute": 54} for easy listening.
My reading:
{"hour": 9, "minute": 51}
